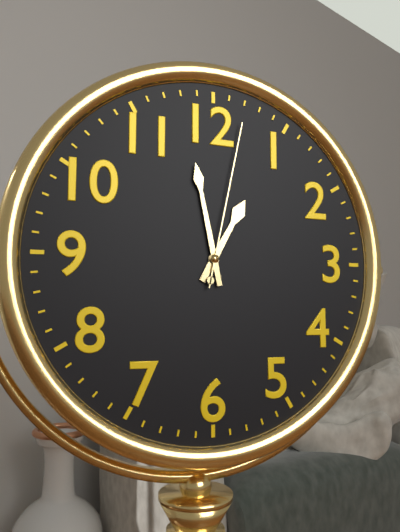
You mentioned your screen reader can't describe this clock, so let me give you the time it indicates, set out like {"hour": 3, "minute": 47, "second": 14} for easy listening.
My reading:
{"hour": 12, "minute": 58, "second": 2}
